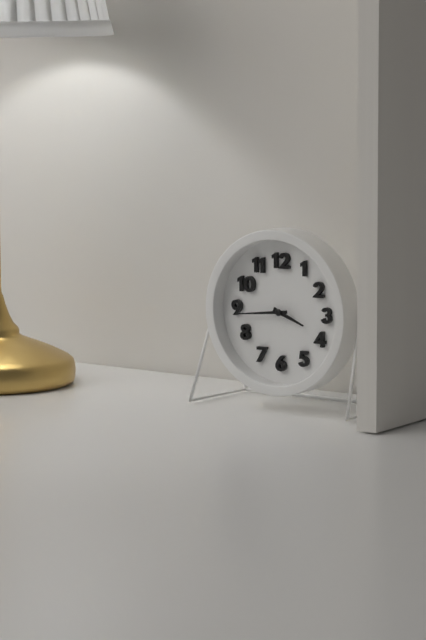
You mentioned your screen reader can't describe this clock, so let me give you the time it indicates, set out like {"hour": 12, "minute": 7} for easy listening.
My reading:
{"hour": 3, "minute": 44}
